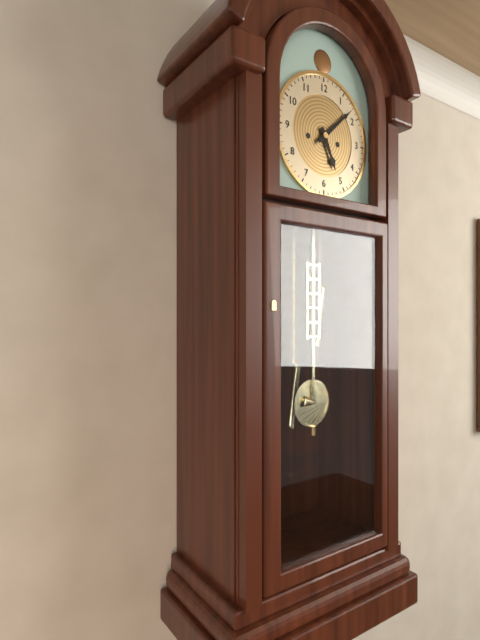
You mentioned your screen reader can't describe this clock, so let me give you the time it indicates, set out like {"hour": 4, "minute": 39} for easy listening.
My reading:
{"hour": 5, "minute": 8}
